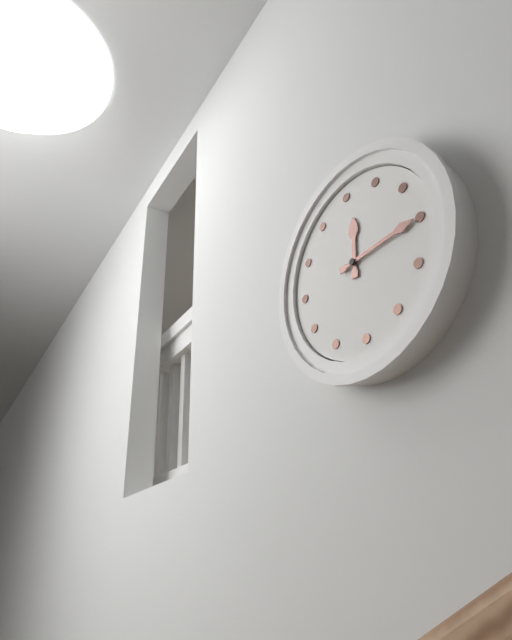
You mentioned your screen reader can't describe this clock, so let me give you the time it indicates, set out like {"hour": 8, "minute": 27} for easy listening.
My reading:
{"hour": 12, "minute": 15}
